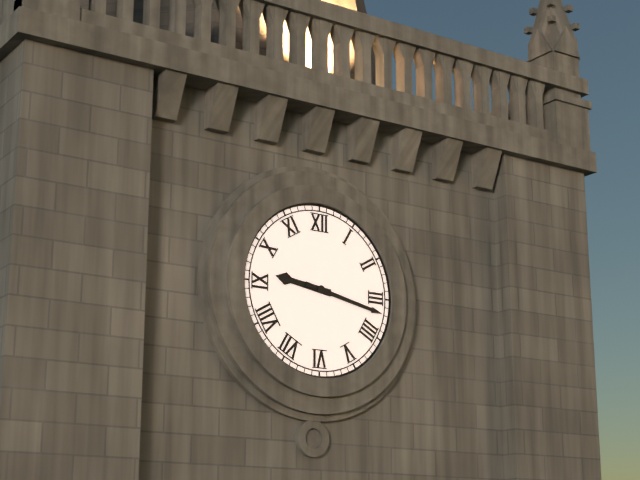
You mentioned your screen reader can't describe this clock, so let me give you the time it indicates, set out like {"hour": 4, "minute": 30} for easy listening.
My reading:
{"hour": 9, "minute": 17}
